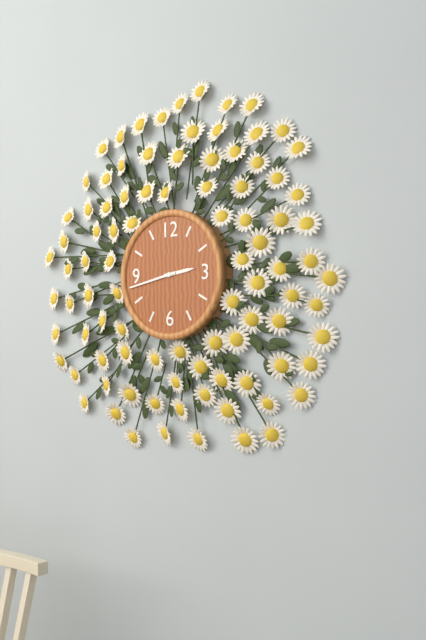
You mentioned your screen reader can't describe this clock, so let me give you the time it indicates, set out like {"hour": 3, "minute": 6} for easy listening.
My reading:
{"hour": 2, "minute": 43}
